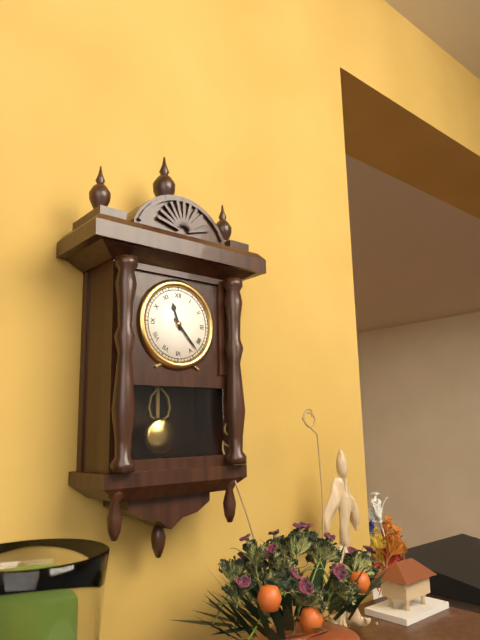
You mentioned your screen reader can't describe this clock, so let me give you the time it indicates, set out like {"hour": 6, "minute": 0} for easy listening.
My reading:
{"hour": 11, "minute": 23}
